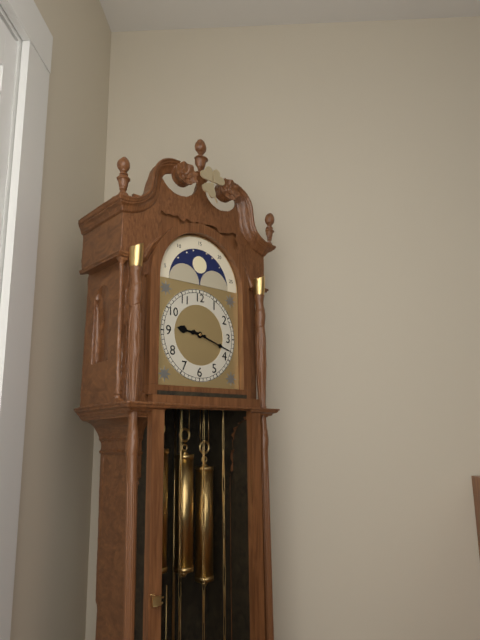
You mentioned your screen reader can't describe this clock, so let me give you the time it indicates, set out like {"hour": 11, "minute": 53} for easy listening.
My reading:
{"hour": 9, "minute": 18}
